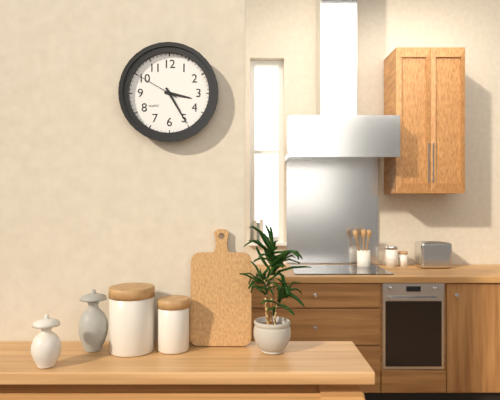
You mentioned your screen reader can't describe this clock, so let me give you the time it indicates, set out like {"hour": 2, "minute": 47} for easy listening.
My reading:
{"hour": 3, "minute": 25}
